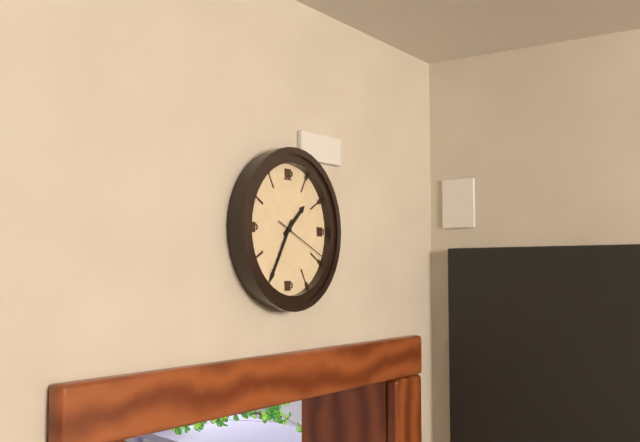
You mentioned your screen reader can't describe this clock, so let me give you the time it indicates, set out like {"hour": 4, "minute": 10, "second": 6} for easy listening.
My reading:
{"hour": 1, "minute": 35, "second": 19}
